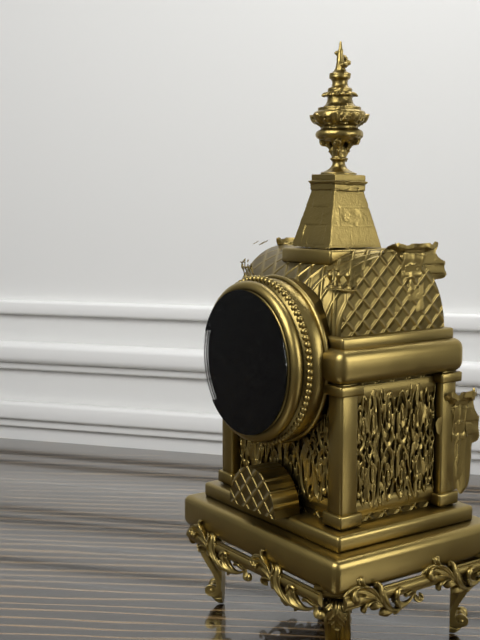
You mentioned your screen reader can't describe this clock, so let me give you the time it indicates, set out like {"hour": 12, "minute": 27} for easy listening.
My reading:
{"hour": 10, "minute": 10}
